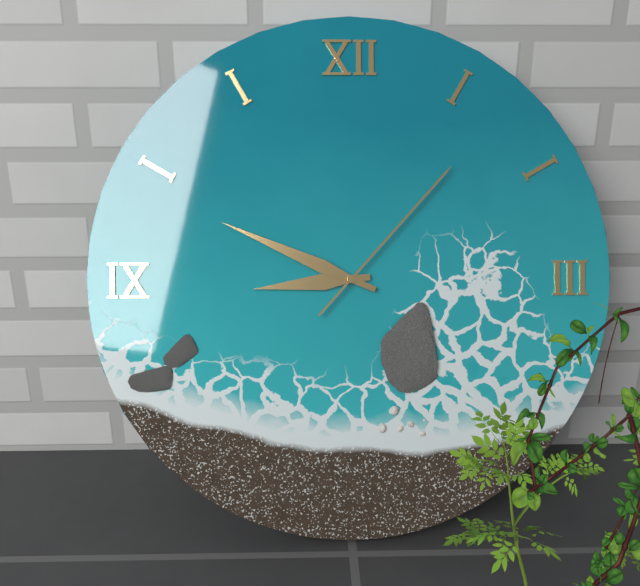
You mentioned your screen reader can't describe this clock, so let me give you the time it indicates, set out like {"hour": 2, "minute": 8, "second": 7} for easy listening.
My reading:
{"hour": 8, "minute": 49, "second": 7}
